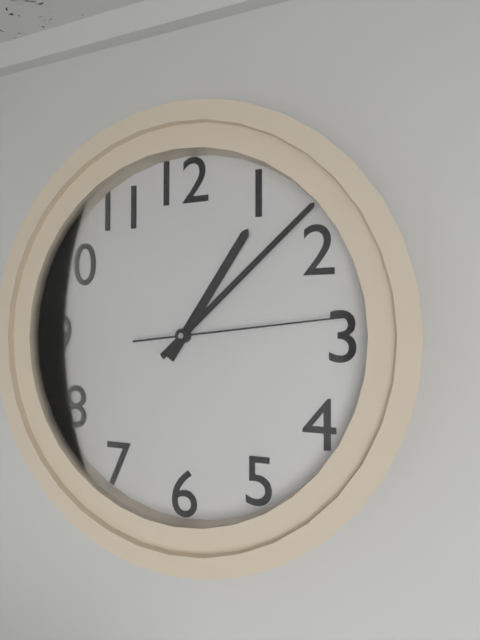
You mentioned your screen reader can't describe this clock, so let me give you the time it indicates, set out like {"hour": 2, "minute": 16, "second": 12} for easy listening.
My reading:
{"hour": 1, "minute": 8, "second": 14}
